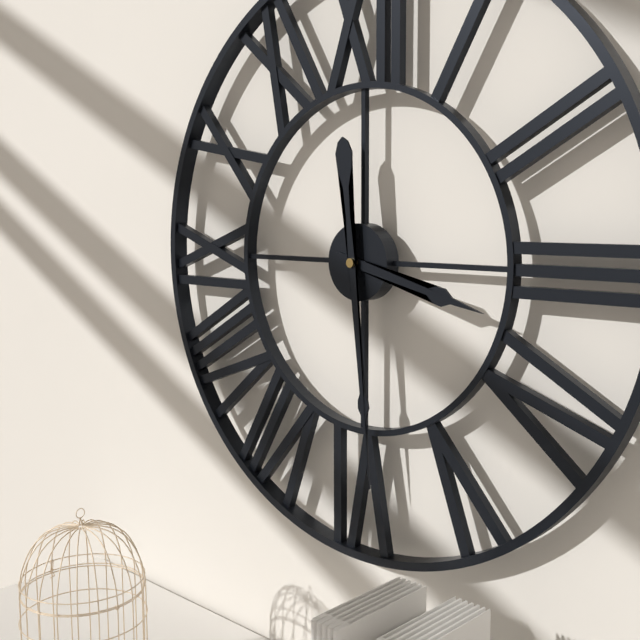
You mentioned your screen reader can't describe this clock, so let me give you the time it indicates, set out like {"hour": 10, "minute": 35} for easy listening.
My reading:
{"hour": 3, "minute": 29}
